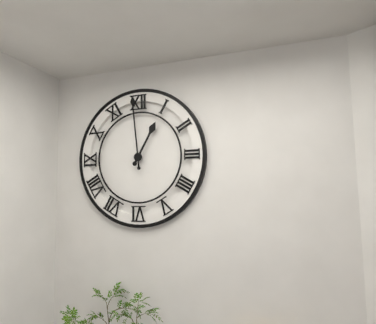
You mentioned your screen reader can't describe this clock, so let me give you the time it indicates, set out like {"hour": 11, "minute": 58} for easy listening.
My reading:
{"hour": 12, "minute": 59}
